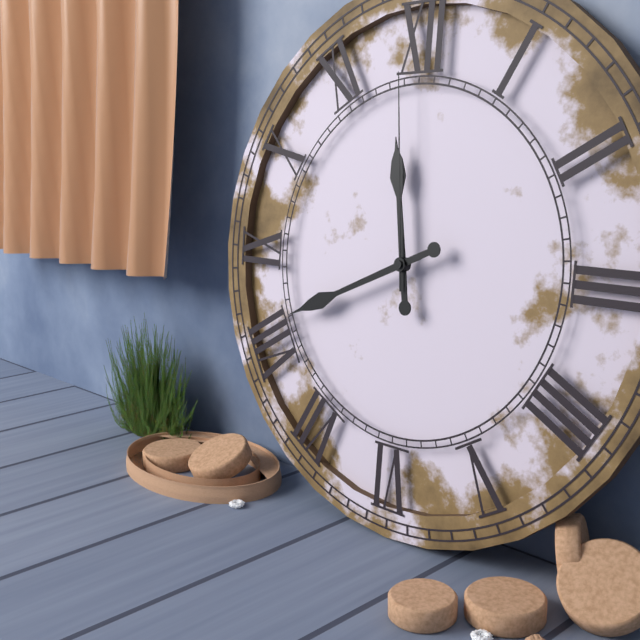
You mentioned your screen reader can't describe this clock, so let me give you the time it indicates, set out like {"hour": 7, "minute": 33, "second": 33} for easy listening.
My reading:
{"hour": 11, "minute": 41, "second": 59}
